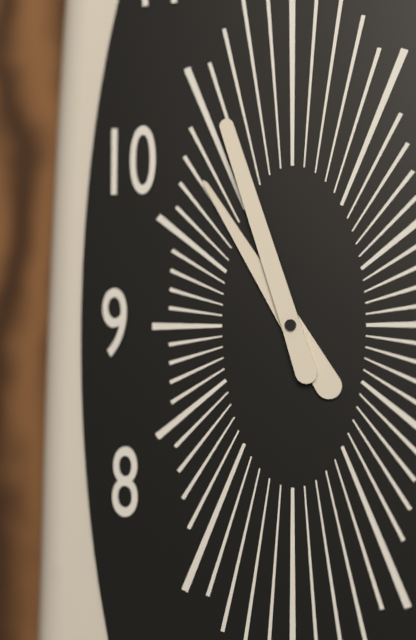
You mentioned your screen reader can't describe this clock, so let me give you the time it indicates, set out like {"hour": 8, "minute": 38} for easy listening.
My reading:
{"hour": 10, "minute": 57}
